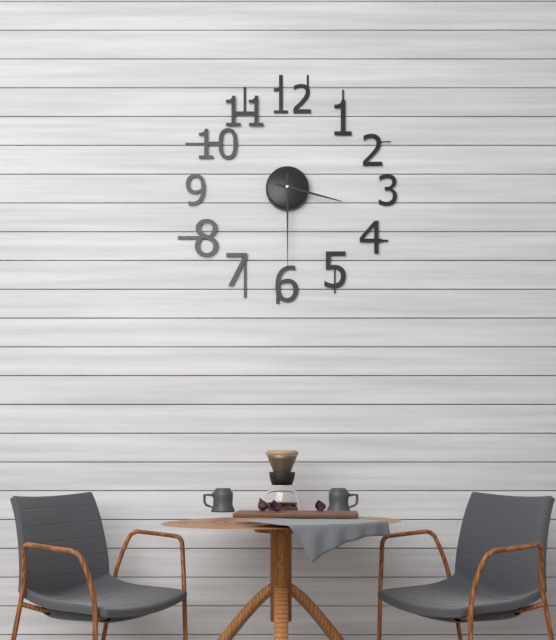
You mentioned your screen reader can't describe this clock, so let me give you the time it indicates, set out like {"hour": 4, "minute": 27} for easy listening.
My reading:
{"hour": 3, "minute": 30}
